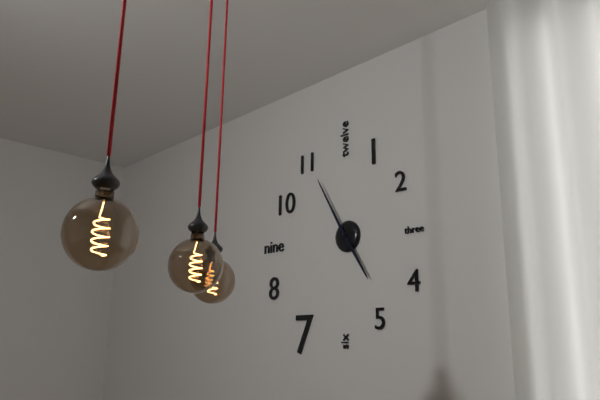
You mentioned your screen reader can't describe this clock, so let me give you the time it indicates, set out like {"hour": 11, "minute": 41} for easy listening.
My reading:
{"hour": 4, "minute": 55}
